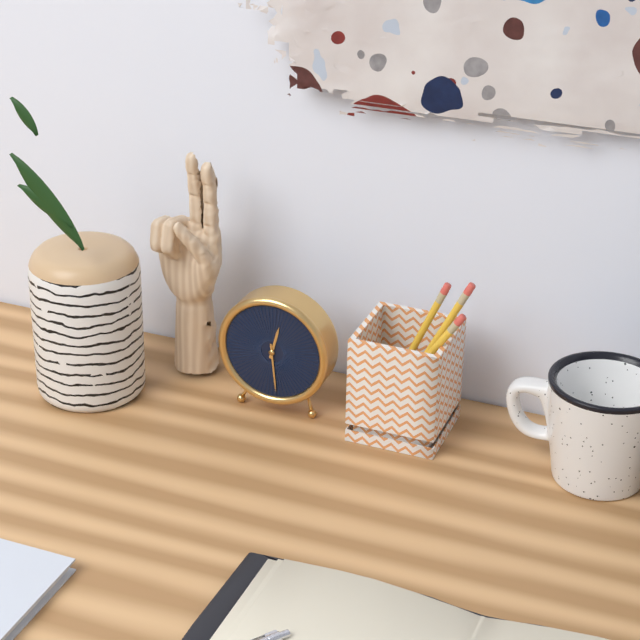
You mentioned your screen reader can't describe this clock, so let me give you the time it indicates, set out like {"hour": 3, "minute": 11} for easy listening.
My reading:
{"hour": 12, "minute": 29}
